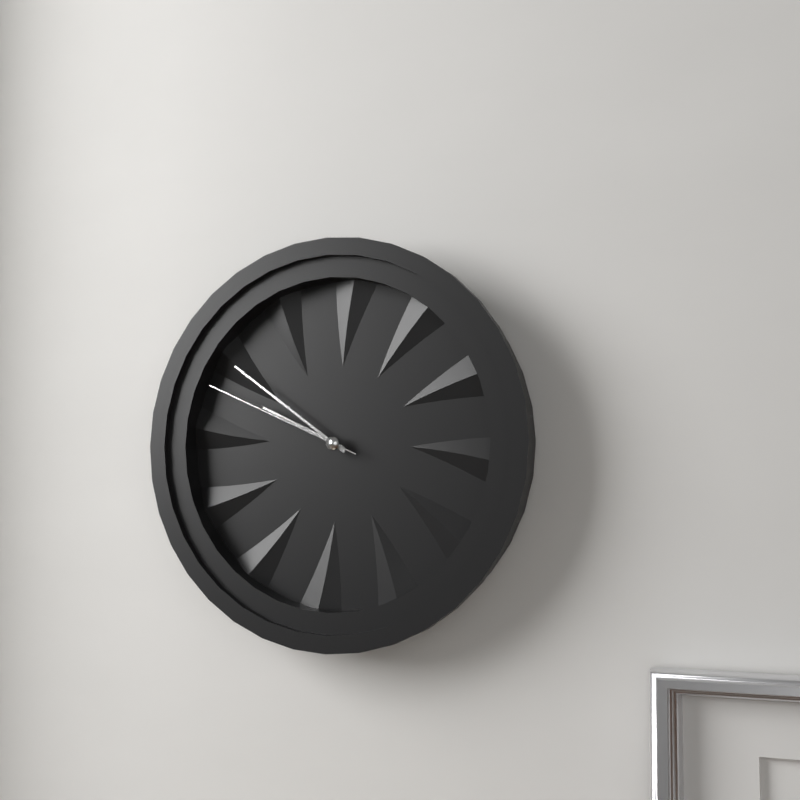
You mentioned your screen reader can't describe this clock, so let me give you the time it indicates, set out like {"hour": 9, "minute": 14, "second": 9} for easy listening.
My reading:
{"hour": 9, "minute": 51, "second": 49}
